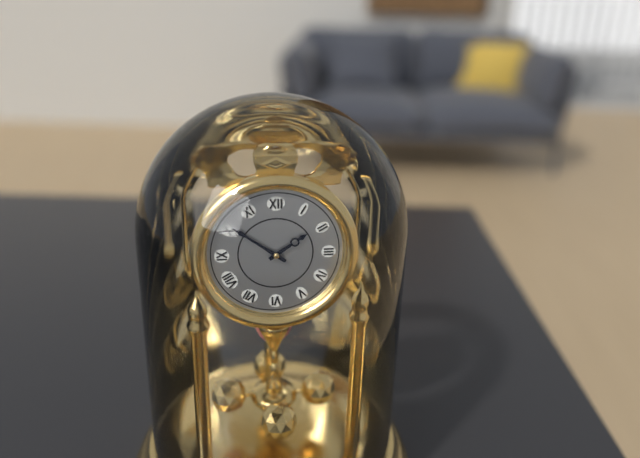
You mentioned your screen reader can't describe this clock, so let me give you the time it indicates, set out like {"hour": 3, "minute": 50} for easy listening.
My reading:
{"hour": 1, "minute": 51}
